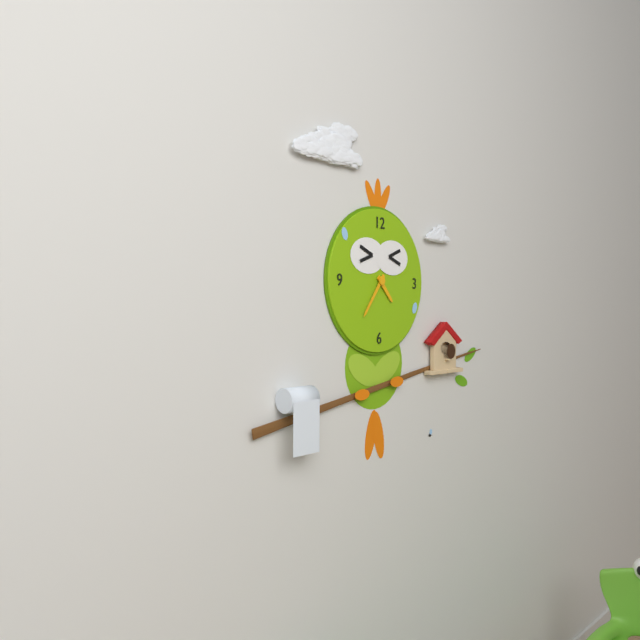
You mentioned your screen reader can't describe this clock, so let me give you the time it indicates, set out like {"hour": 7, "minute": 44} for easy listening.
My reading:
{"hour": 4, "minute": 36}
